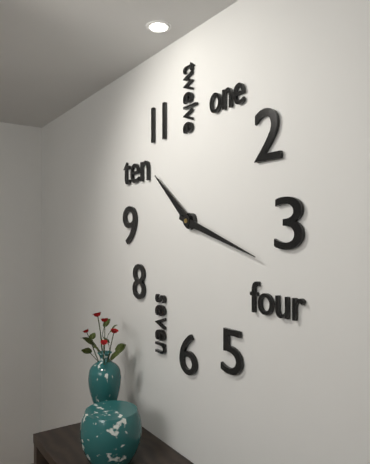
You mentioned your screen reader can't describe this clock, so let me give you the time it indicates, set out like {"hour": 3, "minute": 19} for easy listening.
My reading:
{"hour": 10, "minute": 18}
